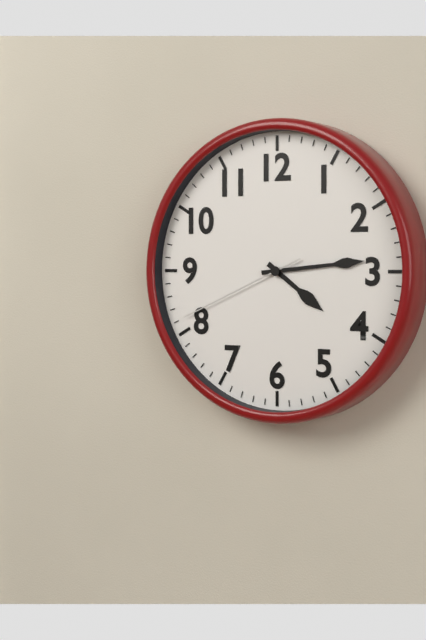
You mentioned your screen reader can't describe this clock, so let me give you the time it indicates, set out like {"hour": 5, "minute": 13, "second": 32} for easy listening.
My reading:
{"hour": 4, "minute": 14, "second": 41}
